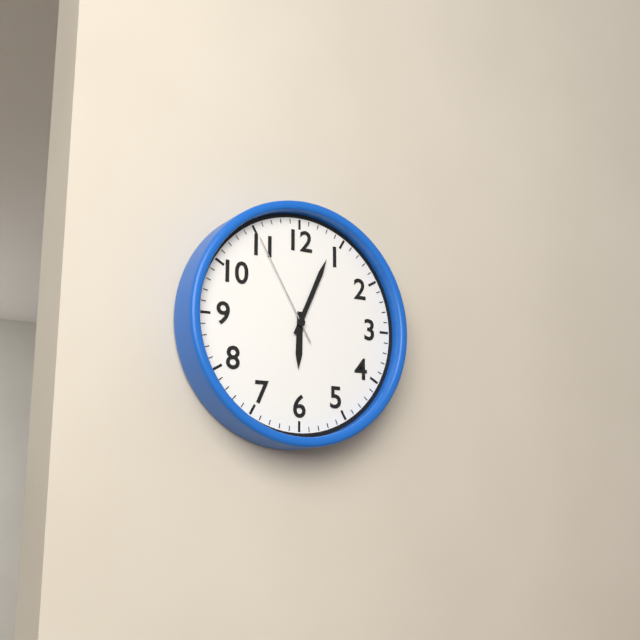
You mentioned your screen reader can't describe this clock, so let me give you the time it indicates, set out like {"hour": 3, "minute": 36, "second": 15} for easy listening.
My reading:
{"hour": 6, "minute": 4, "second": 55}
